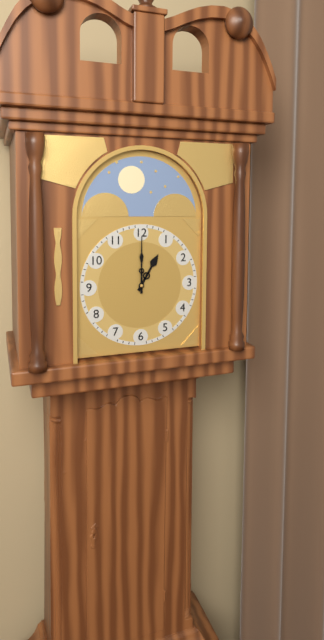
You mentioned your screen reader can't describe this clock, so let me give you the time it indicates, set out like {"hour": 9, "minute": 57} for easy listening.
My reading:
{"hour": 1, "minute": 0}
